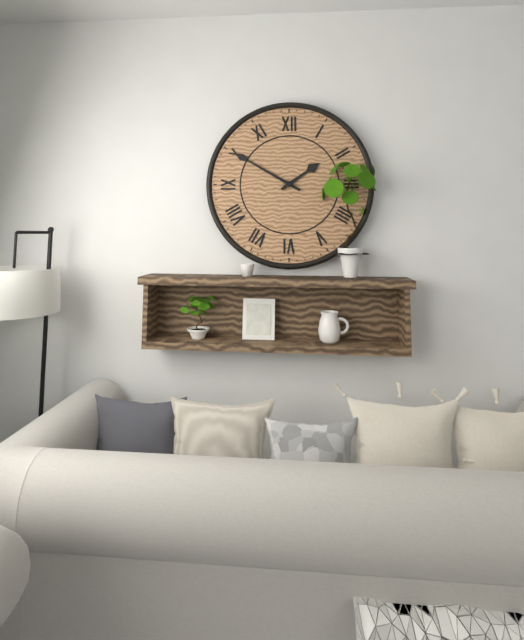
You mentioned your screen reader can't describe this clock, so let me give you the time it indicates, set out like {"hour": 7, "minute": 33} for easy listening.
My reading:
{"hour": 1, "minute": 50}
